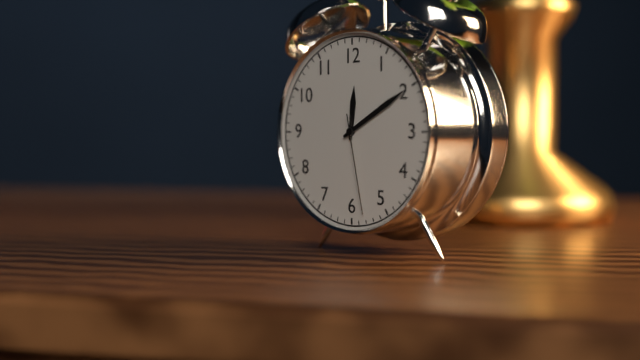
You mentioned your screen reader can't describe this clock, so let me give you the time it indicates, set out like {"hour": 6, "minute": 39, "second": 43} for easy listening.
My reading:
{"hour": 12, "minute": 10, "second": 28}
